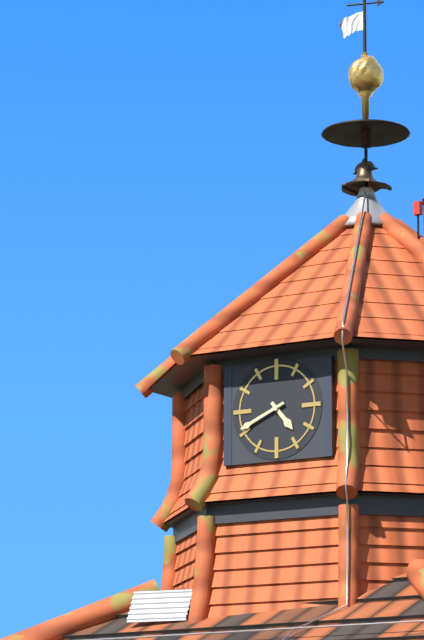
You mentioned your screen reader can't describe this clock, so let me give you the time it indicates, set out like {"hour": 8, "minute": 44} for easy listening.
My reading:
{"hour": 4, "minute": 41}
